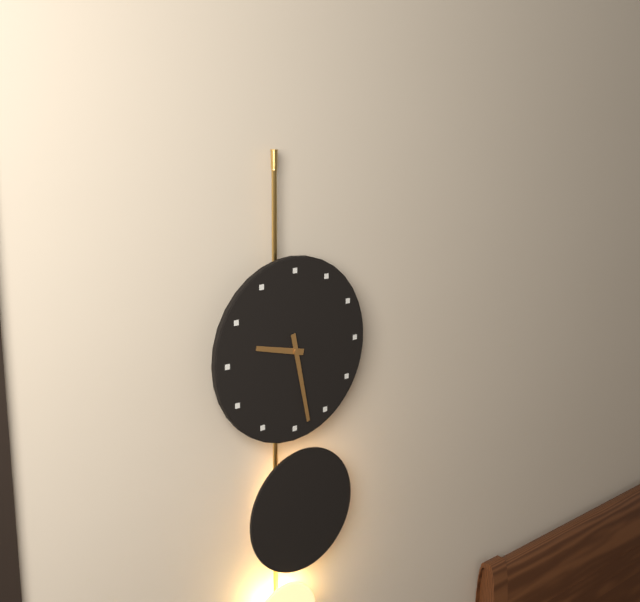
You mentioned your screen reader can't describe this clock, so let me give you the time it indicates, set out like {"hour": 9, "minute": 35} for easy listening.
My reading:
{"hour": 9, "minute": 28}
